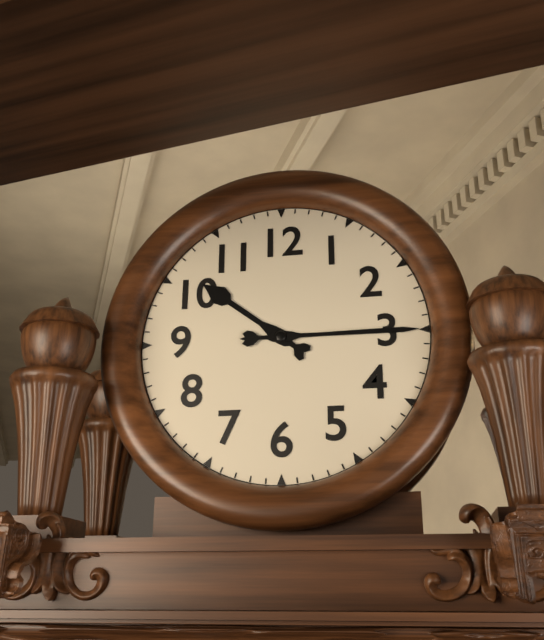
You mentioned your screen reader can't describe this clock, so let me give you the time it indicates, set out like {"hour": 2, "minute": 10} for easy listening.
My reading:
{"hour": 10, "minute": 15}
